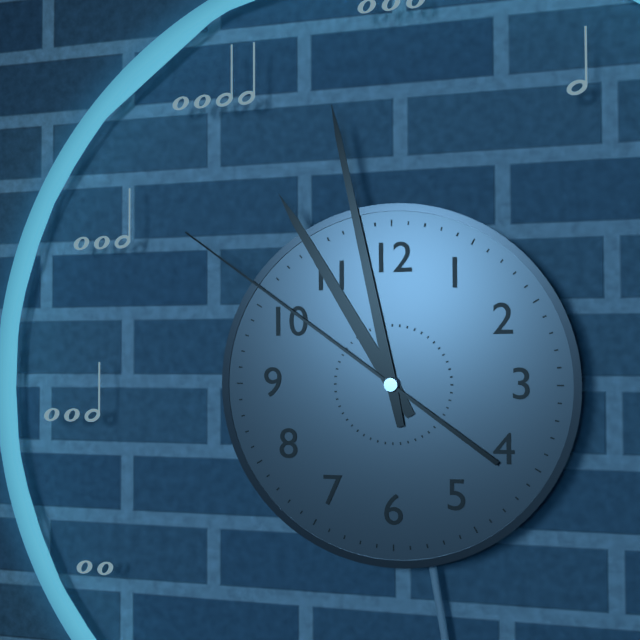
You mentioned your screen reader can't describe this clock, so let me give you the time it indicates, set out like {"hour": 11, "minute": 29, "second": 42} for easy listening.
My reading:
{"hour": 10, "minute": 58, "second": 51}
